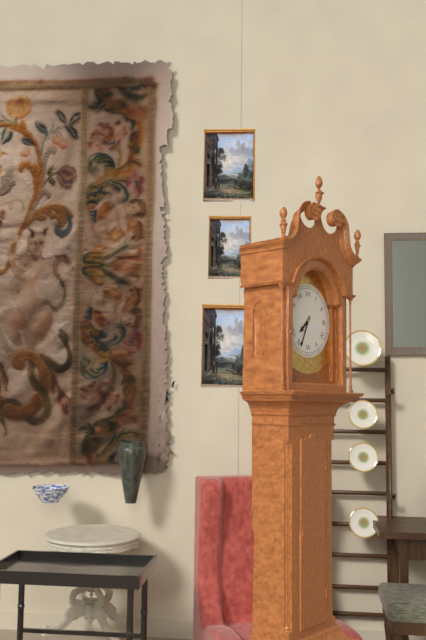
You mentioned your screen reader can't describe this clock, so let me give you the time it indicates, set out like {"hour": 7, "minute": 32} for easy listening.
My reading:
{"hour": 7, "minute": 34}
